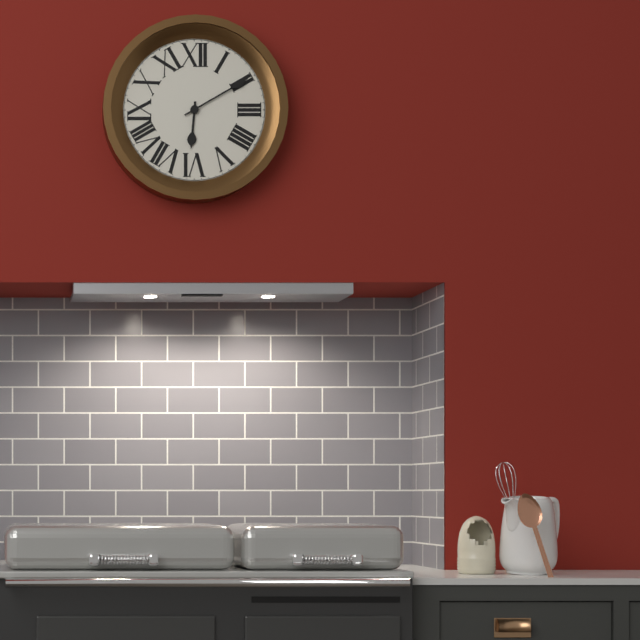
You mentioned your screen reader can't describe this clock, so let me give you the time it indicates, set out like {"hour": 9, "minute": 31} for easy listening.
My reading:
{"hour": 6, "minute": 10}
